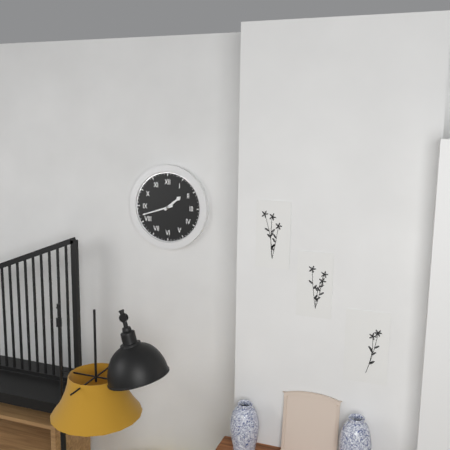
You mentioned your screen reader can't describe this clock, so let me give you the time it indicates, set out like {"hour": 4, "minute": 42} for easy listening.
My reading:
{"hour": 1, "minute": 42}
